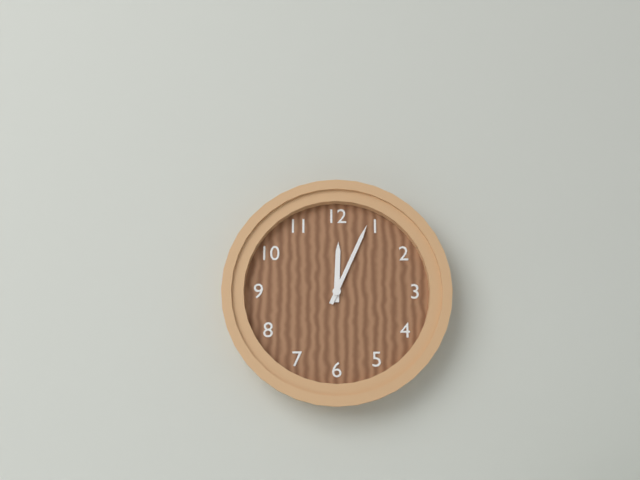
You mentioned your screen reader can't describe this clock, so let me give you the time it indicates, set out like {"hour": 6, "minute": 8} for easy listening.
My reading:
{"hour": 12, "minute": 4}
